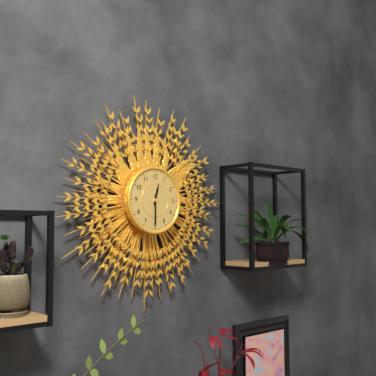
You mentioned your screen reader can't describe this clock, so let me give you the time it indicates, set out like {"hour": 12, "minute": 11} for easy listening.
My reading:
{"hour": 12, "minute": 30}
